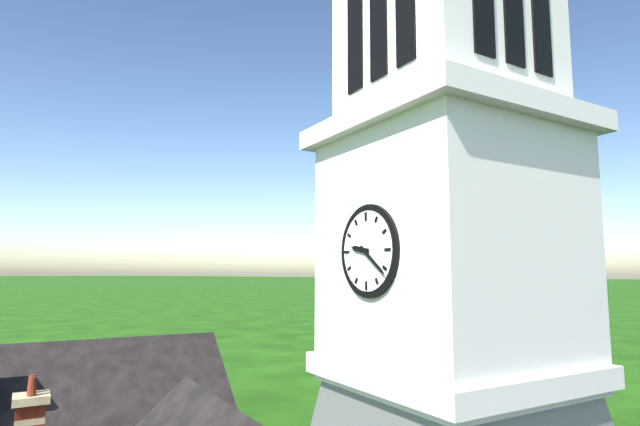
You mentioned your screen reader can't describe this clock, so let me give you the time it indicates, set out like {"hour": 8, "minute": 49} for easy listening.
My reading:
{"hour": 9, "minute": 21}
